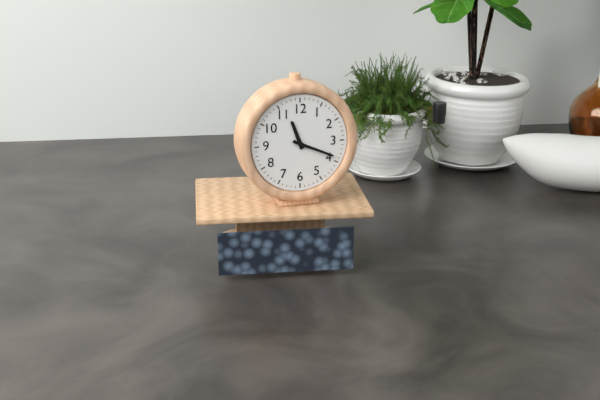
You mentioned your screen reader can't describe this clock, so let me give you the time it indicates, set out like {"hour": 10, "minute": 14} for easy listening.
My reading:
{"hour": 11, "minute": 19}
